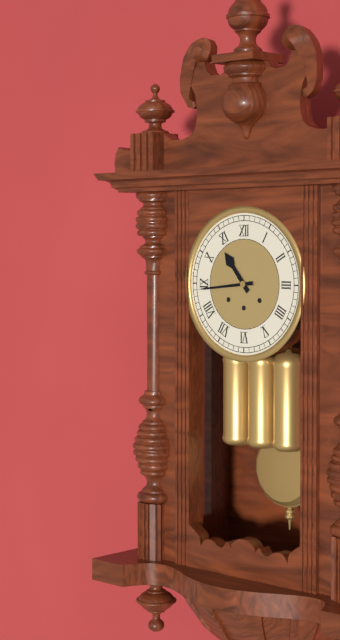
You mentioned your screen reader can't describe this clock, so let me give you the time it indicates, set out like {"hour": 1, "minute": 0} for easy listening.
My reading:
{"hour": 10, "minute": 44}
